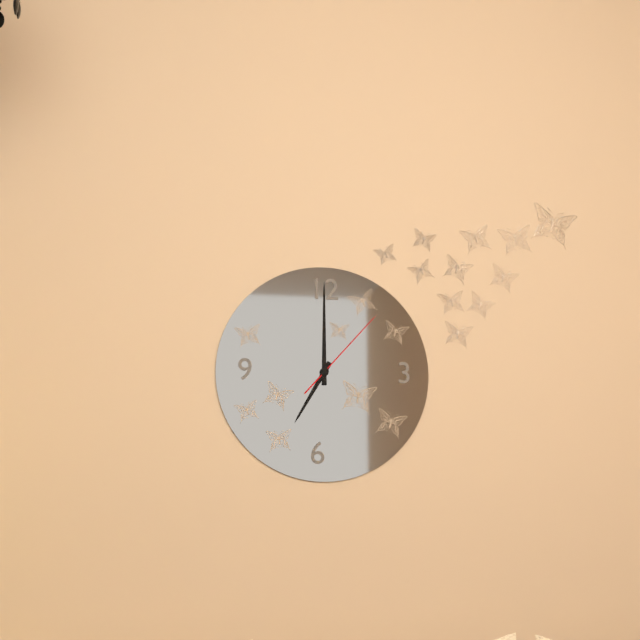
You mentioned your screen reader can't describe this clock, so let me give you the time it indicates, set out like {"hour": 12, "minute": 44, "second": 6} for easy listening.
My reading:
{"hour": 7, "minute": 0, "second": 7}
